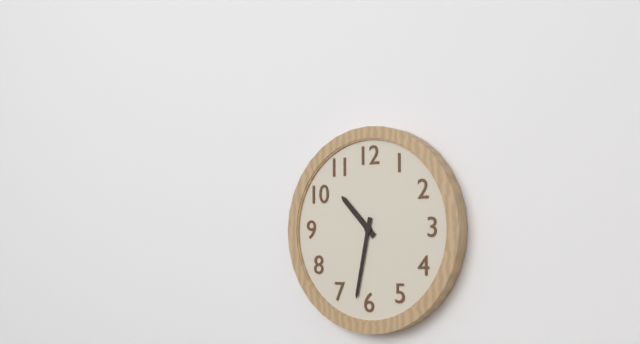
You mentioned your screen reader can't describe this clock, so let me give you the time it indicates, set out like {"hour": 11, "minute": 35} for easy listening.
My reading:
{"hour": 10, "minute": 32}
